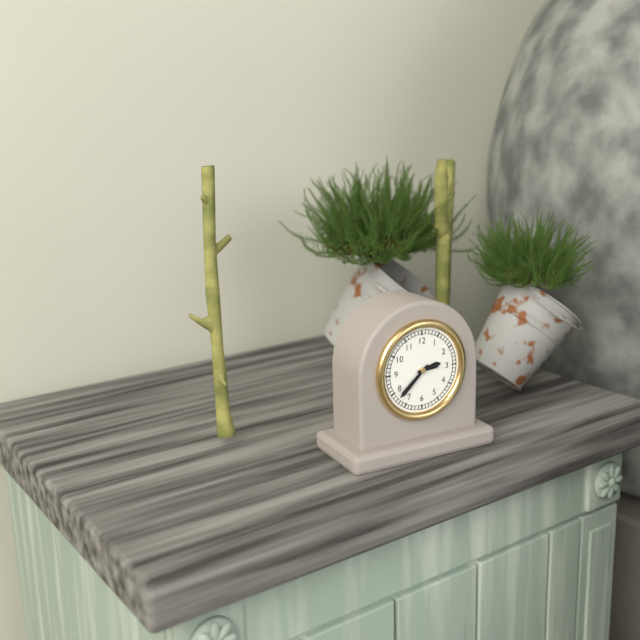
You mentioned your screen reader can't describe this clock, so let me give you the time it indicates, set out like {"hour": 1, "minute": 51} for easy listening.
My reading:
{"hour": 2, "minute": 38}
